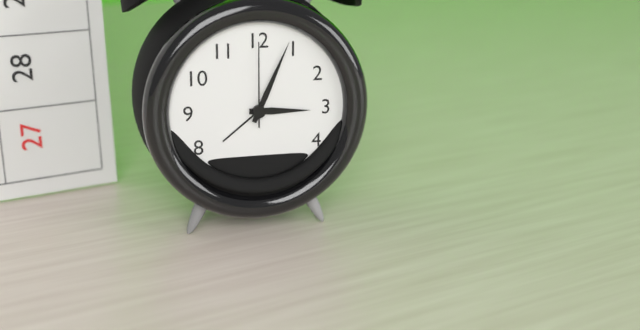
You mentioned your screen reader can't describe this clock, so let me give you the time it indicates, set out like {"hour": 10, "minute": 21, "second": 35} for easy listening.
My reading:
{"hour": 3, "minute": 4, "second": 0}
